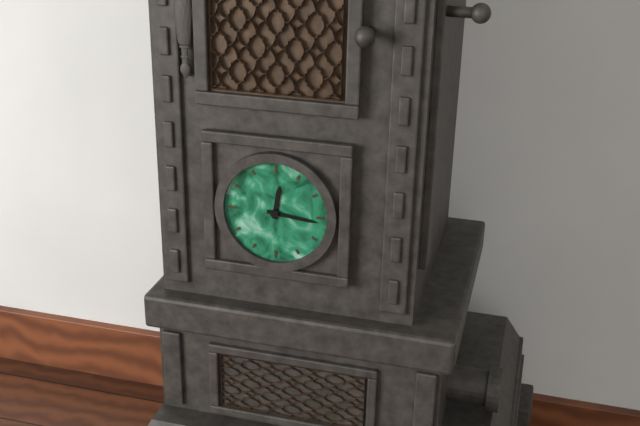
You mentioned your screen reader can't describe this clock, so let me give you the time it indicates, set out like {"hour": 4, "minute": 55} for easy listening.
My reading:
{"hour": 12, "minute": 16}
